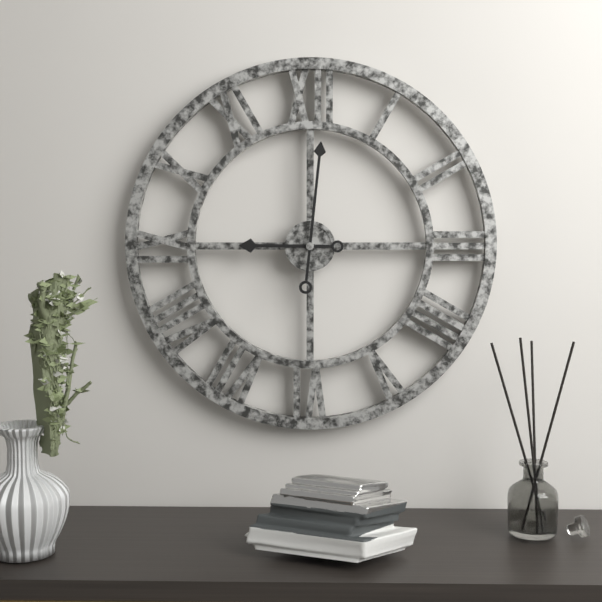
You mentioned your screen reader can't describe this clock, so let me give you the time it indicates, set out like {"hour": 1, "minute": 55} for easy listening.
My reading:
{"hour": 9, "minute": 1}
